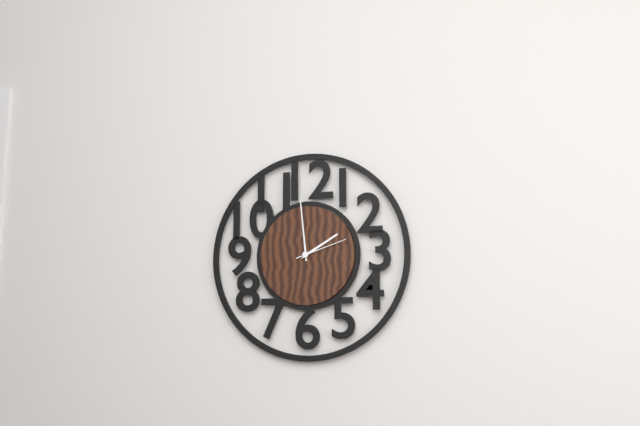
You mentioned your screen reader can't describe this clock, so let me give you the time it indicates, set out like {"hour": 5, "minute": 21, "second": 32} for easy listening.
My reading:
{"hour": 1, "minute": 59, "second": 12}
